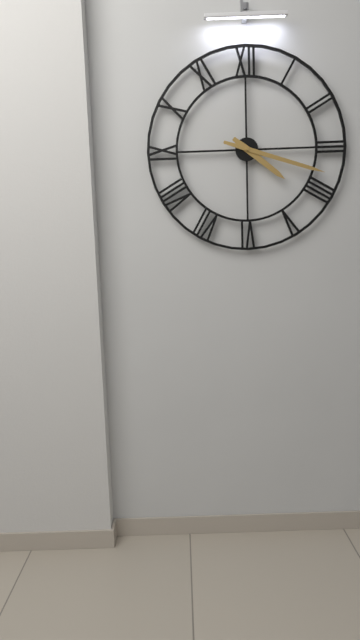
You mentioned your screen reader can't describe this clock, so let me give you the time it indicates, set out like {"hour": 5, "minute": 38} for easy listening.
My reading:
{"hour": 4, "minute": 18}
